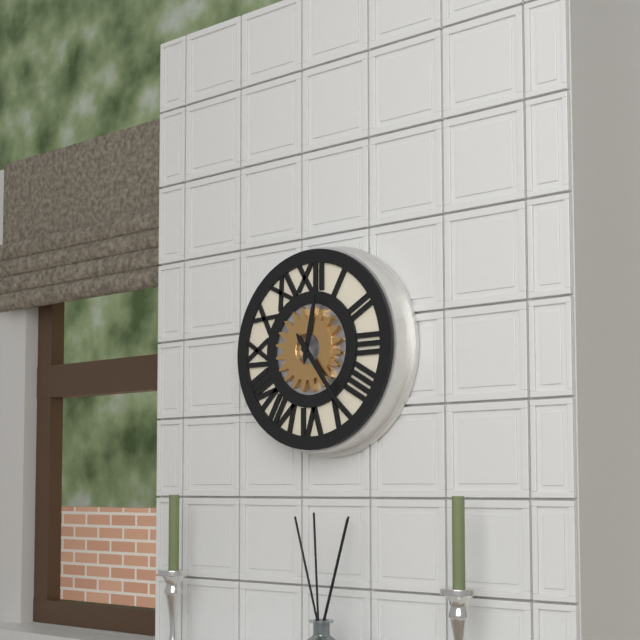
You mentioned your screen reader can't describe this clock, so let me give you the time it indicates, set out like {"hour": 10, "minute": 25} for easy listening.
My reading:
{"hour": 12, "minute": 24}
